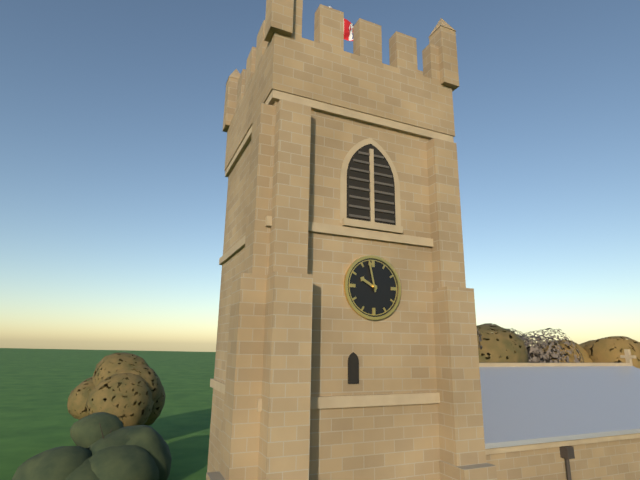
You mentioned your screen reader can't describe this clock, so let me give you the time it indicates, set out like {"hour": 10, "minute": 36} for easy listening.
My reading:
{"hour": 9, "minute": 58}
